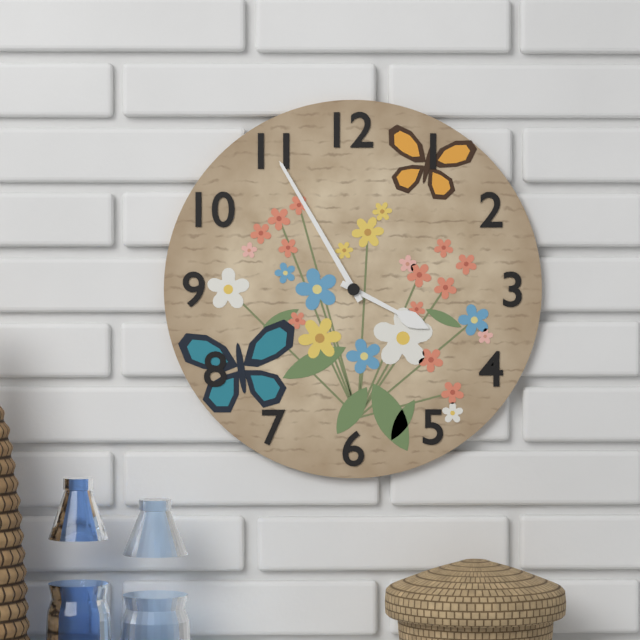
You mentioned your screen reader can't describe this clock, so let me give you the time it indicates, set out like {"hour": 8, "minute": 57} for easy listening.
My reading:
{"hour": 3, "minute": 55}
